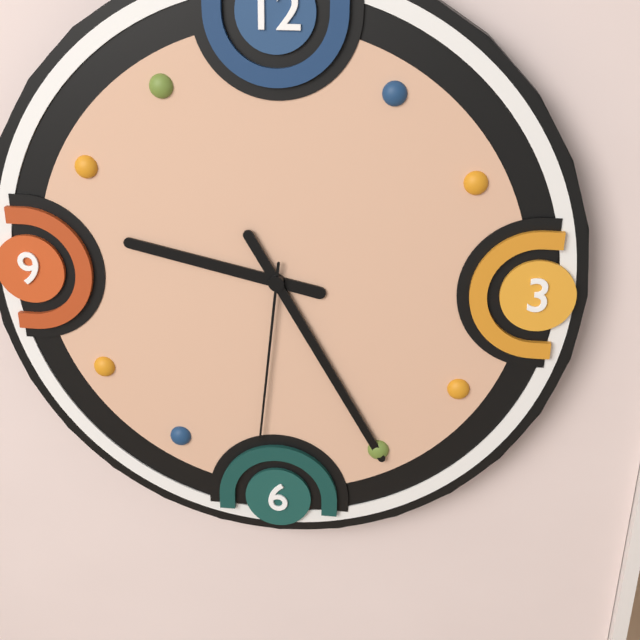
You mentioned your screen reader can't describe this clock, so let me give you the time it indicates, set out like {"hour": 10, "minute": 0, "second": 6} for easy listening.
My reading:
{"hour": 9, "minute": 25, "second": 31}
